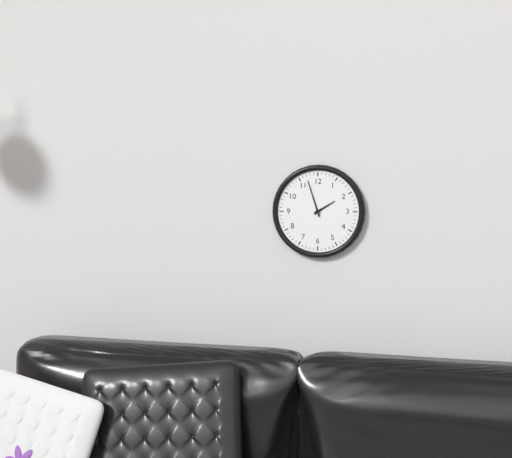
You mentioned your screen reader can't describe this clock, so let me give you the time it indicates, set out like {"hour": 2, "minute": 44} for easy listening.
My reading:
{"hour": 1, "minute": 57}
